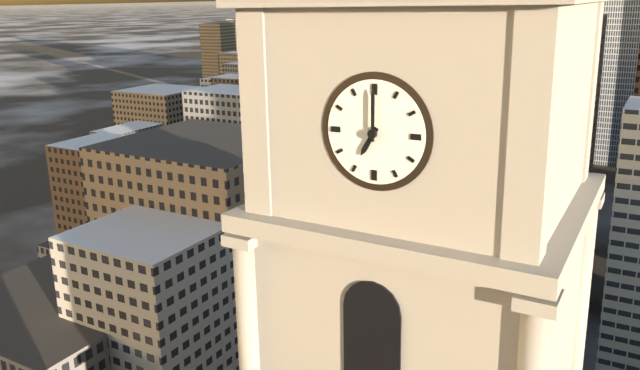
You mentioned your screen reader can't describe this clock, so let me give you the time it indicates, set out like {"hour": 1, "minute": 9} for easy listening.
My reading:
{"hour": 7, "minute": 0}
